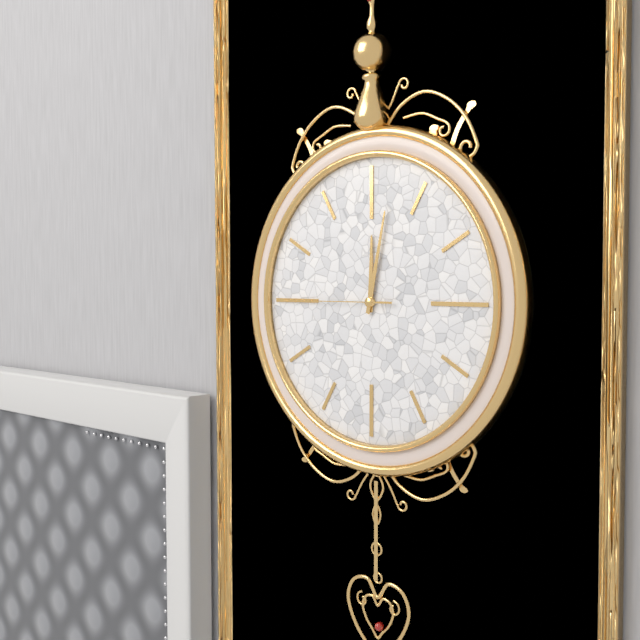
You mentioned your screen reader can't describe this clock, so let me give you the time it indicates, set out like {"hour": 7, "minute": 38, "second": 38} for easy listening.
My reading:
{"hour": 12, "minute": 2, "second": 45}
